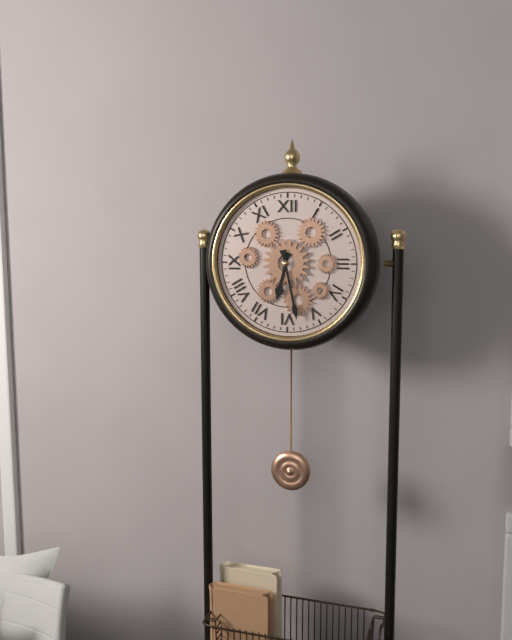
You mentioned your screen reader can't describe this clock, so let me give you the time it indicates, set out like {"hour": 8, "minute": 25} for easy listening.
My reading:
{"hour": 6, "minute": 28}
